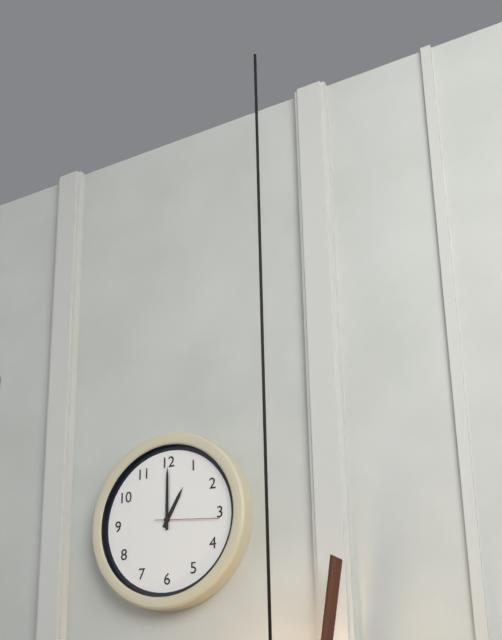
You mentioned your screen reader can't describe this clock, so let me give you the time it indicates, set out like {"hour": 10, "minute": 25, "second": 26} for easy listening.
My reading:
{"hour": 1, "minute": 0, "second": 16}
